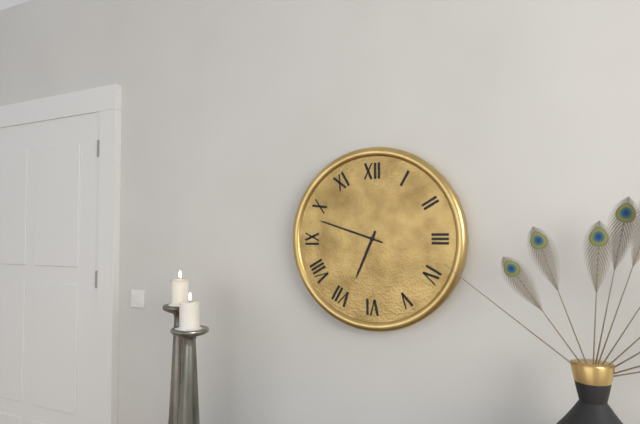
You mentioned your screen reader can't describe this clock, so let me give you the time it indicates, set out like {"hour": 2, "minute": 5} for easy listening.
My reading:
{"hour": 6, "minute": 48}
